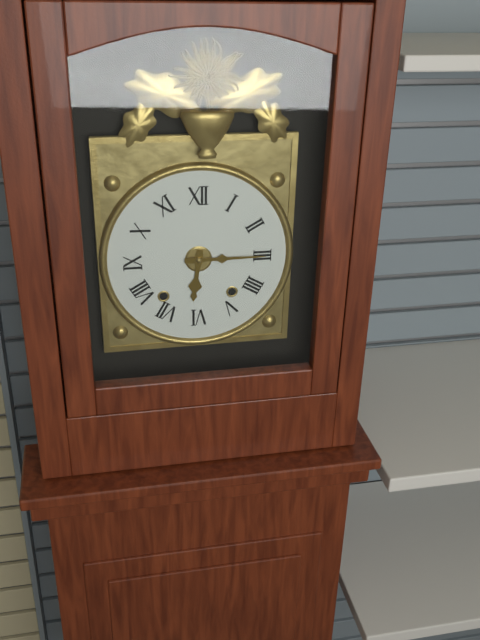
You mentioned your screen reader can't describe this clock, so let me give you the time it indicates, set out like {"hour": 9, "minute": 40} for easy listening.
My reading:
{"hour": 6, "minute": 15}
